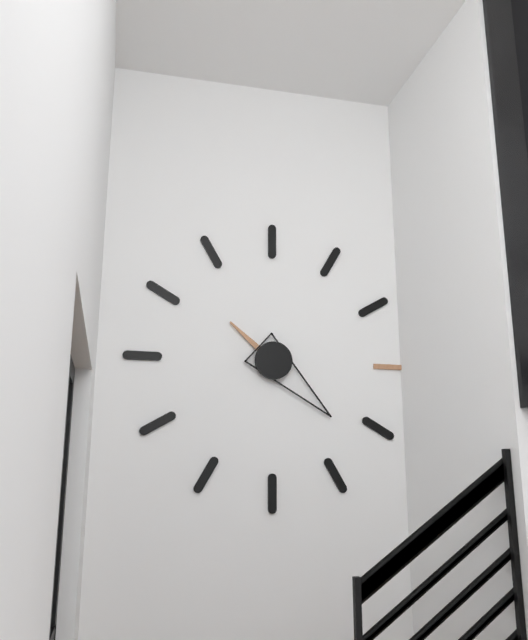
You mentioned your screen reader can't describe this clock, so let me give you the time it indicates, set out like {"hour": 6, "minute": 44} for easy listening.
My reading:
{"hour": 10, "minute": 22}
